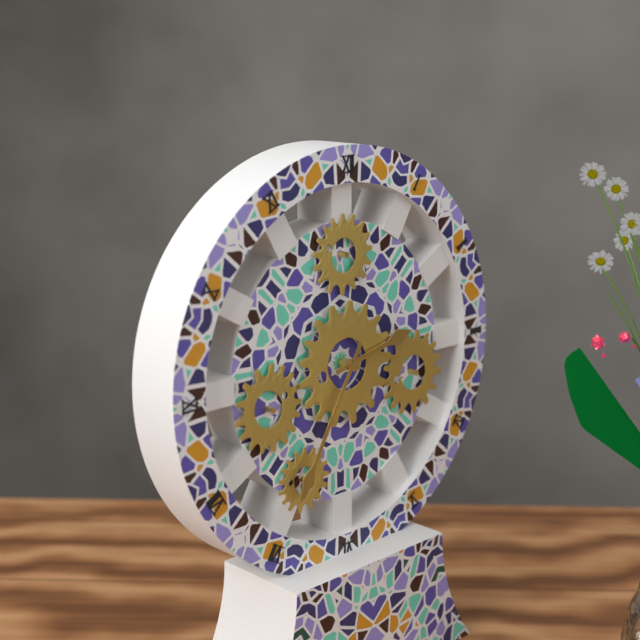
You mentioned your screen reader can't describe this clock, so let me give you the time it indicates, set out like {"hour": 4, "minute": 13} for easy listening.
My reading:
{"hour": 2, "minute": 35}
